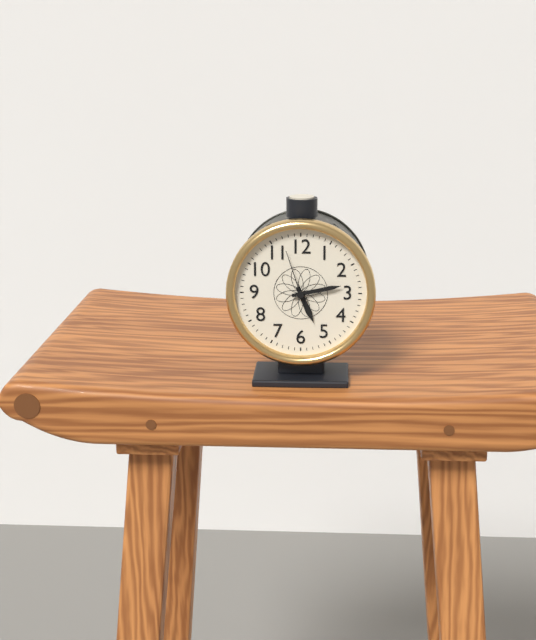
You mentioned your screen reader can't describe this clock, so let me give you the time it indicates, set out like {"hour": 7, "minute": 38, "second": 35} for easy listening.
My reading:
{"hour": 5, "minute": 13, "second": 57}
